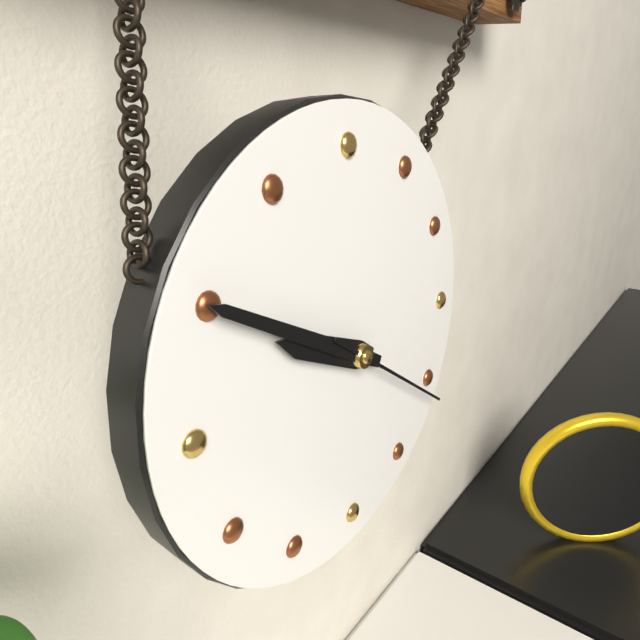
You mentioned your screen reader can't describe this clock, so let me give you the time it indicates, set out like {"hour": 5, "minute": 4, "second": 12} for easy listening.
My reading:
{"hour": 9, "minute": 50, "second": 21}
